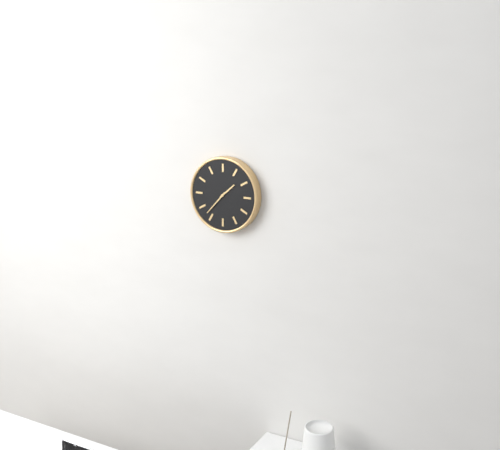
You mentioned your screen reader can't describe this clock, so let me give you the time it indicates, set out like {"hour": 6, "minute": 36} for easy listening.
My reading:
{"hour": 1, "minute": 37}
